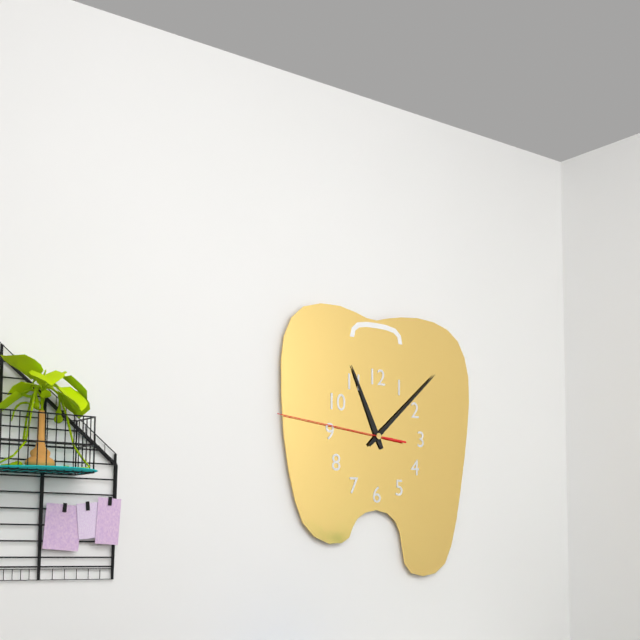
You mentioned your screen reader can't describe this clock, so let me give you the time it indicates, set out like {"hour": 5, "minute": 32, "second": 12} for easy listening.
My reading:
{"hour": 11, "minute": 8, "second": 46}
